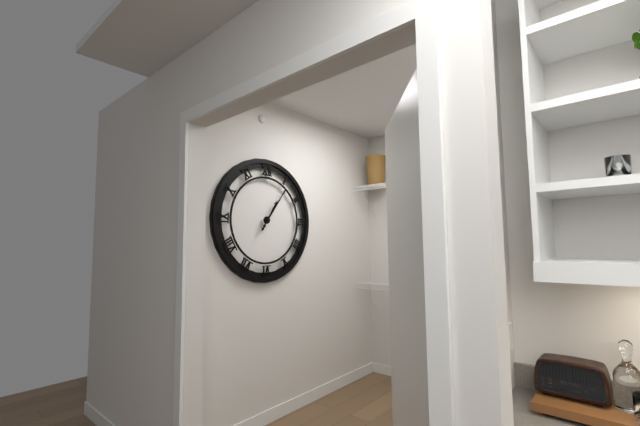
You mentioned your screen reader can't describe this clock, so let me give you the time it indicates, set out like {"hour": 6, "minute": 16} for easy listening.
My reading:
{"hour": 1, "minute": 6}
